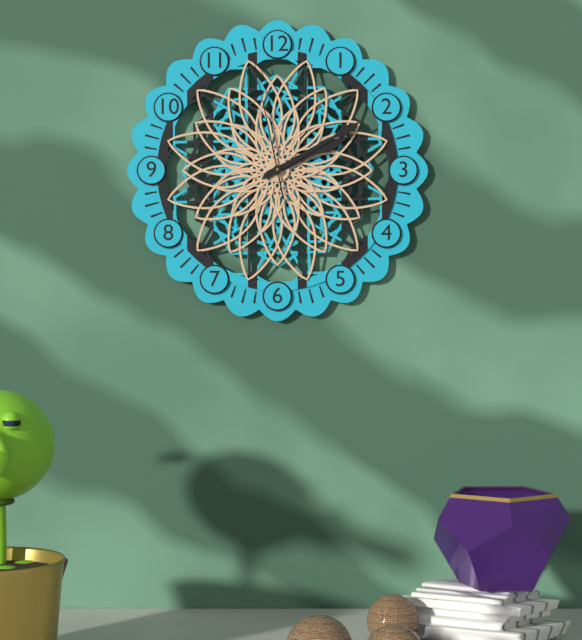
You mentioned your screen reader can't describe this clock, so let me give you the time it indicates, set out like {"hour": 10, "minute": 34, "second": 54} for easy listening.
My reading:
{"hour": 2, "minute": 10, "second": 58}
